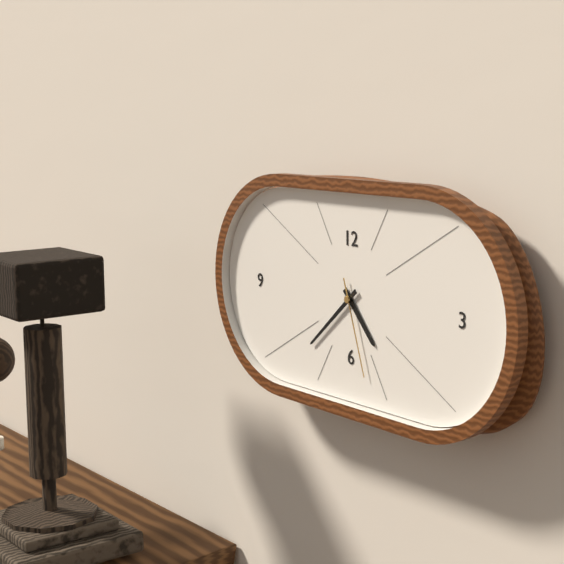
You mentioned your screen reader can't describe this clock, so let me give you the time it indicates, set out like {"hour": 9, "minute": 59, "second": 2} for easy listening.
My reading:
{"hour": 4, "minute": 38, "second": 27}
